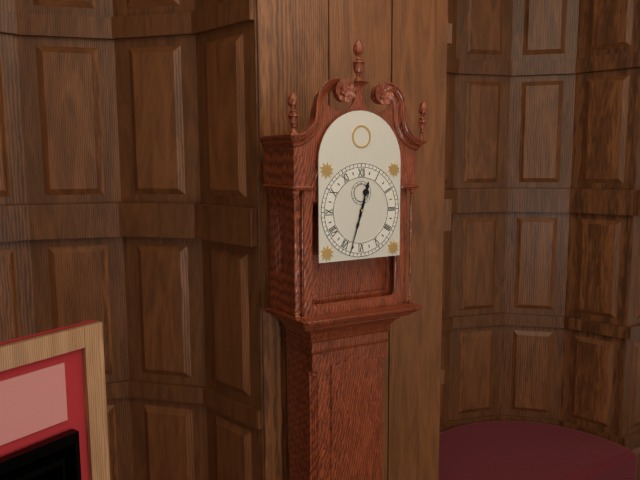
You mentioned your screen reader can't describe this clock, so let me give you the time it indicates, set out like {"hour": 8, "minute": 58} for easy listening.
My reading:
{"hour": 12, "minute": 33}
